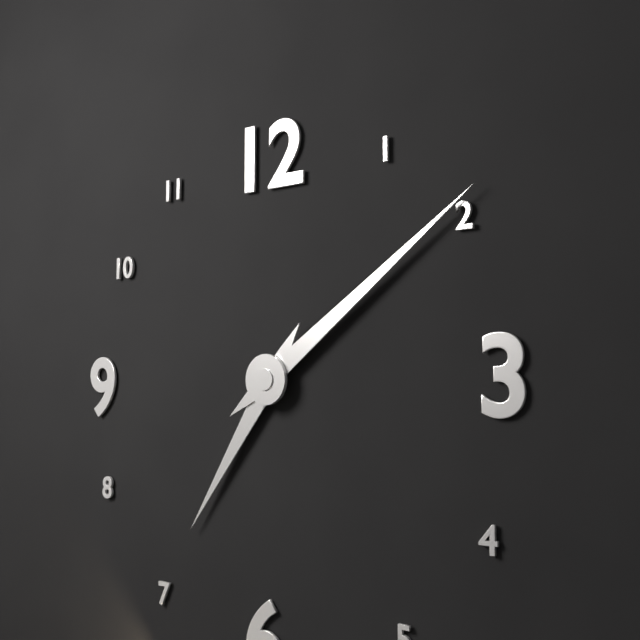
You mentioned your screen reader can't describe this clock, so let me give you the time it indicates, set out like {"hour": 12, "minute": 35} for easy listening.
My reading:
{"hour": 7, "minute": 9}
